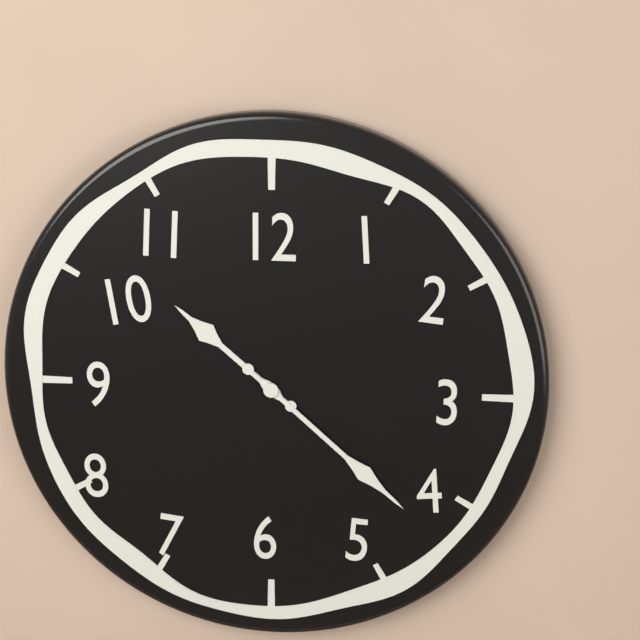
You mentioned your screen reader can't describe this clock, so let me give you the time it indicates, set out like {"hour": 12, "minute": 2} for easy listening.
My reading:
{"hour": 10, "minute": 22}
